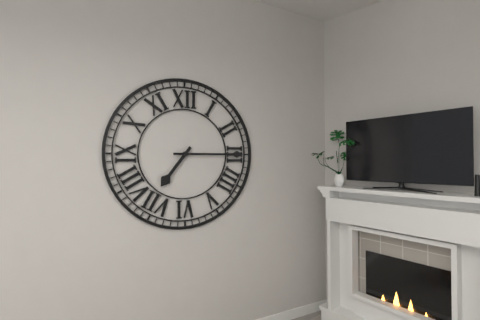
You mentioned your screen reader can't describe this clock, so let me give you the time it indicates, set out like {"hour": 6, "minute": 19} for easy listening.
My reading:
{"hour": 7, "minute": 15}
